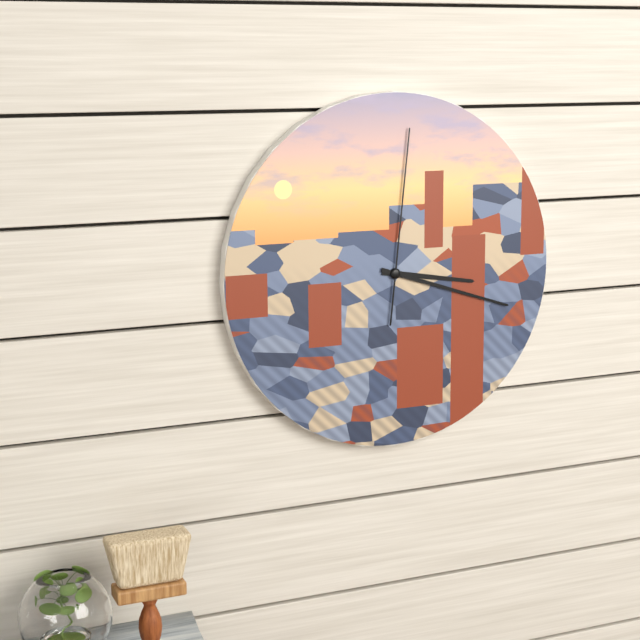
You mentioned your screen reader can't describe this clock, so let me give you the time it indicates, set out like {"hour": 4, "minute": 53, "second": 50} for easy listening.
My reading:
{"hour": 3, "minute": 18, "second": 1}
